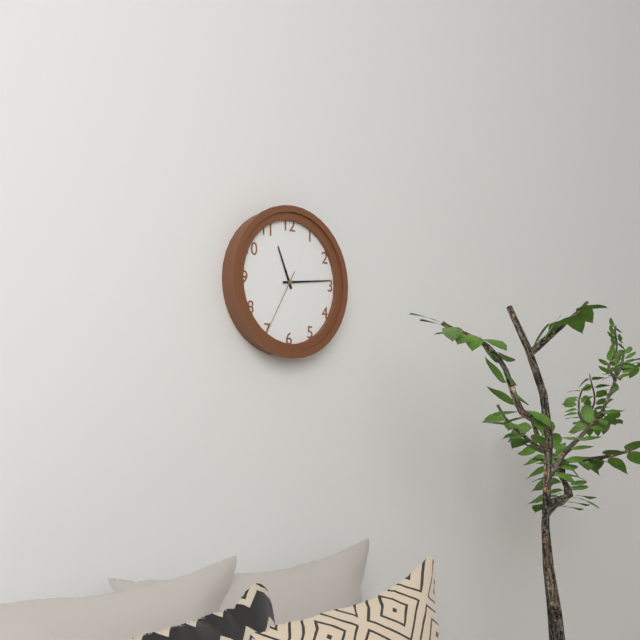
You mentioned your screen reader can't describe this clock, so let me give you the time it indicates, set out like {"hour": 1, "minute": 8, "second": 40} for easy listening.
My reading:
{"hour": 11, "minute": 14, "second": 35}
